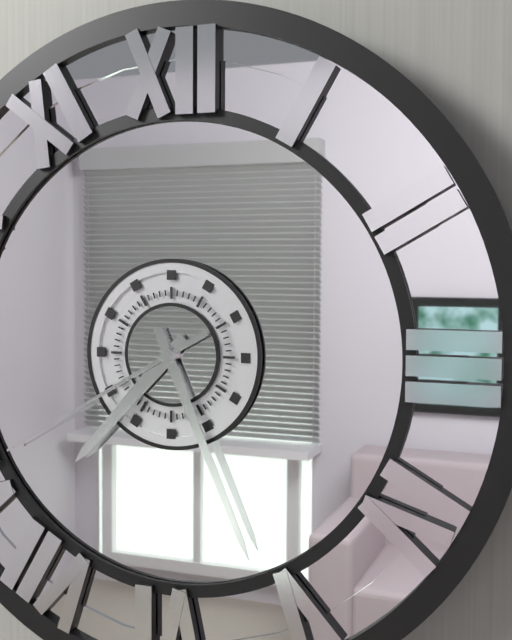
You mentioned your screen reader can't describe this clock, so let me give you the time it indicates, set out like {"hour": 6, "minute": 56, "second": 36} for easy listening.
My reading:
{"hour": 7, "minute": 26, "second": 40}
